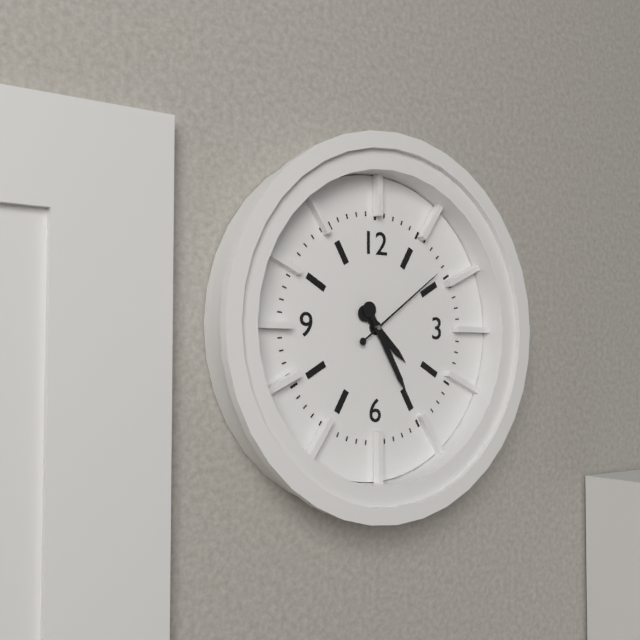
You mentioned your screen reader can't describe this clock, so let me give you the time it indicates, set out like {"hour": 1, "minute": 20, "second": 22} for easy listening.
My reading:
{"hour": 4, "minute": 25, "second": 9}
